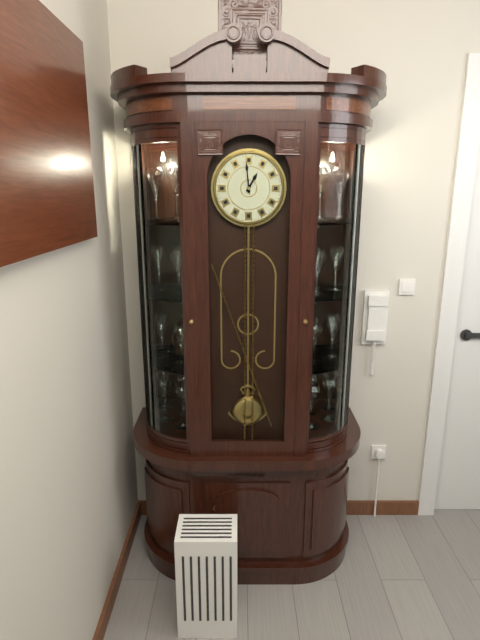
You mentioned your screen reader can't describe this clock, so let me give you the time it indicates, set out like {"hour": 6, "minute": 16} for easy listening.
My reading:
{"hour": 12, "minute": 59}
